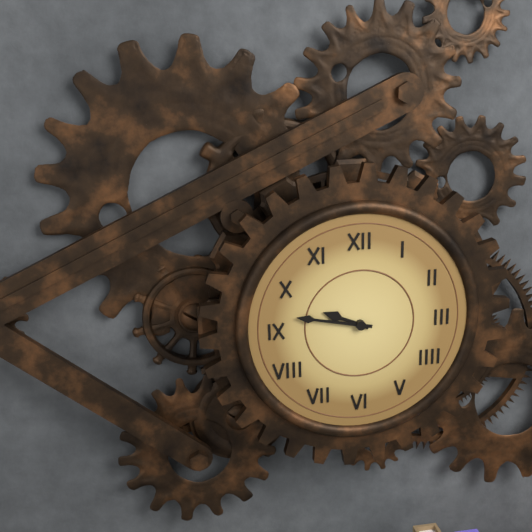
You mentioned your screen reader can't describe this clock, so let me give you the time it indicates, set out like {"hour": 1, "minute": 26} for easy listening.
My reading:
{"hour": 9, "minute": 47}
